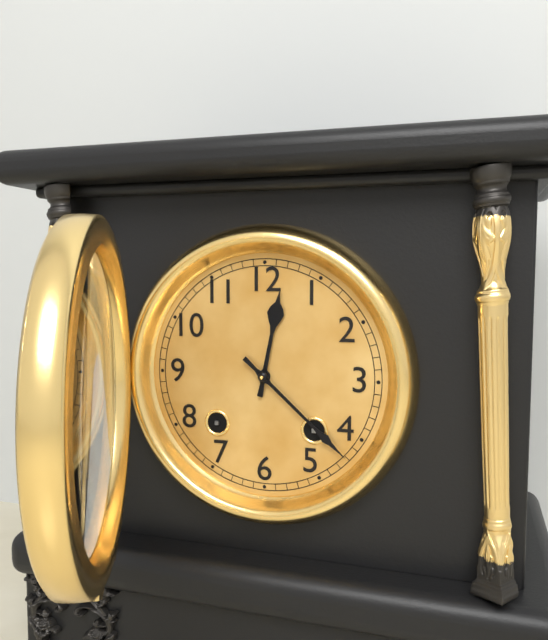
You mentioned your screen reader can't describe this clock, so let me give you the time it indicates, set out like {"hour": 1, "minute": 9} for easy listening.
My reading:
{"hour": 12, "minute": 22}
